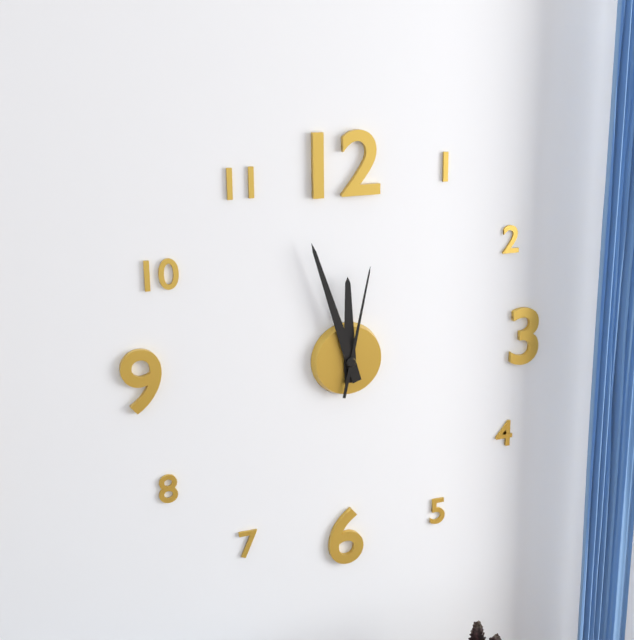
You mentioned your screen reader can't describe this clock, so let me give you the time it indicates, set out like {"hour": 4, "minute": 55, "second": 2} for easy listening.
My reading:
{"hour": 11, "minute": 57, "second": 2}
